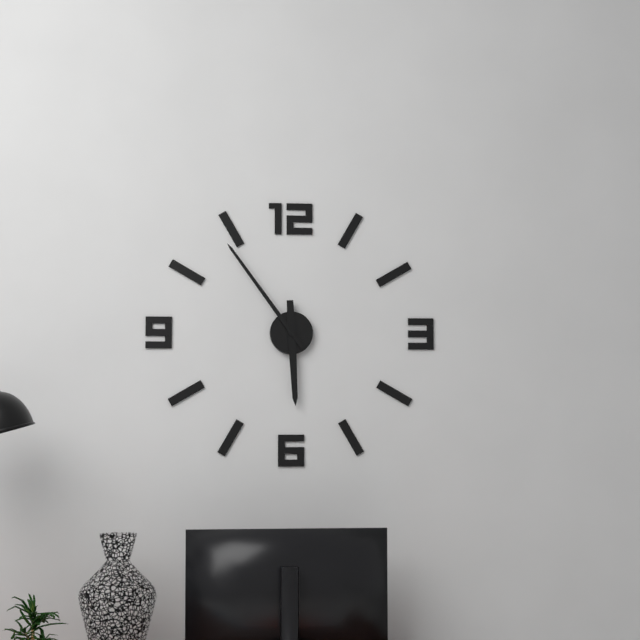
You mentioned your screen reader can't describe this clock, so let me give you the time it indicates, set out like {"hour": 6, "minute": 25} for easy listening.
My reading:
{"hour": 5, "minute": 54}
